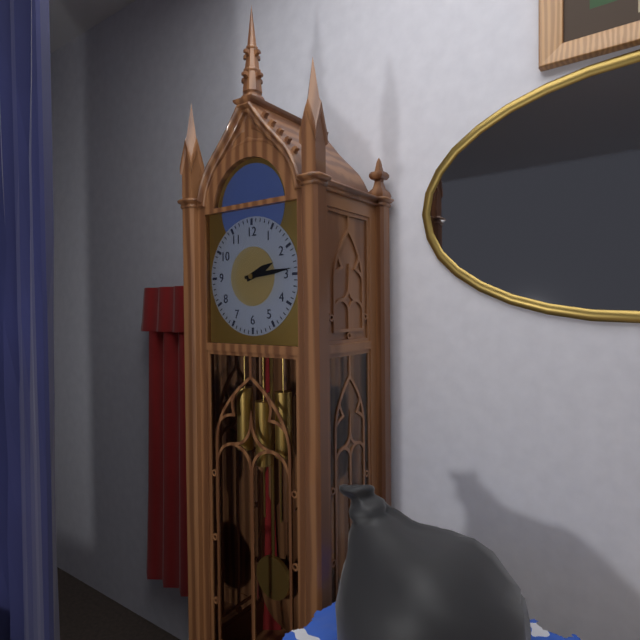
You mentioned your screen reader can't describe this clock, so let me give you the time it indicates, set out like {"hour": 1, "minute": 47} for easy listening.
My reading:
{"hour": 2, "minute": 14}
